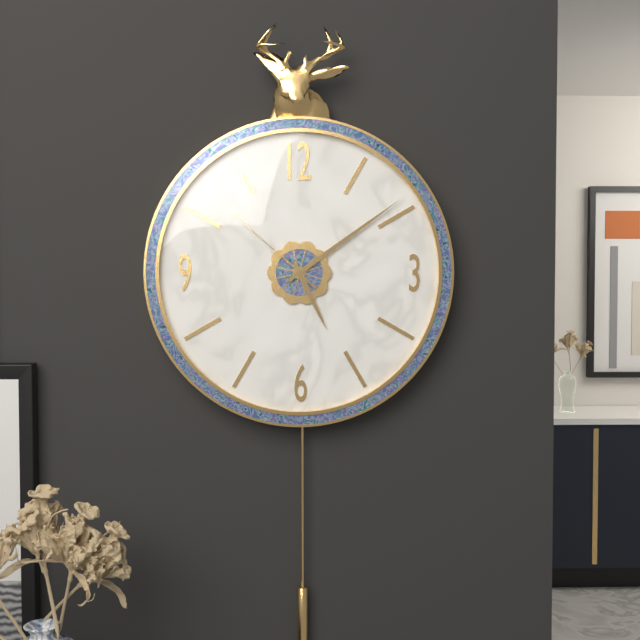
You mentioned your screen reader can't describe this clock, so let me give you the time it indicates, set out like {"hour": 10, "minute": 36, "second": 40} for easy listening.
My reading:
{"hour": 5, "minute": 9, "second": 52}
